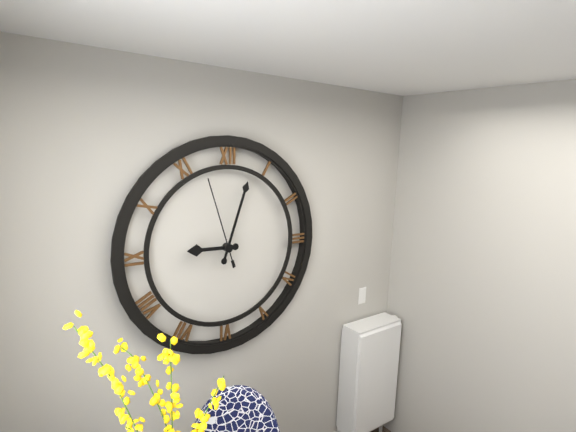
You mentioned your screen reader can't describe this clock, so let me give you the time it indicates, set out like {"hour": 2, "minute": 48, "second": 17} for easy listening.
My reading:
{"hour": 9, "minute": 3, "second": 57}
